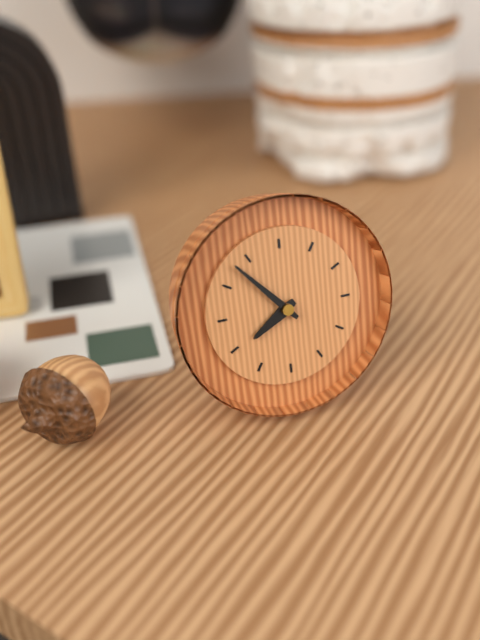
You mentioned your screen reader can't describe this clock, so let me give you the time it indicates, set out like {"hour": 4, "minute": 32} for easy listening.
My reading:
{"hour": 7, "minute": 53}
